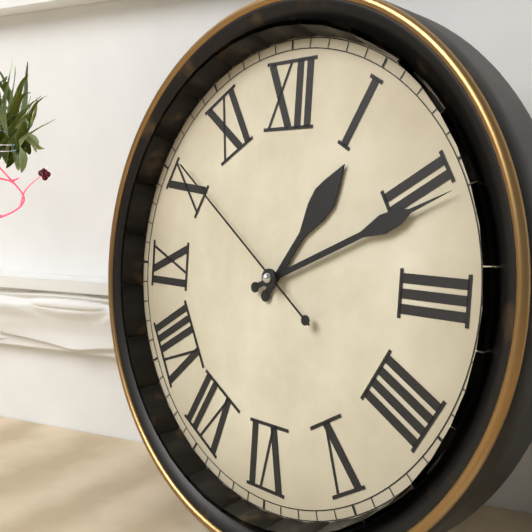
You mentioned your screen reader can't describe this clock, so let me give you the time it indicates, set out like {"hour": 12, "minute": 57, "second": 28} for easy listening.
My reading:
{"hour": 1, "minute": 11, "second": 51}
